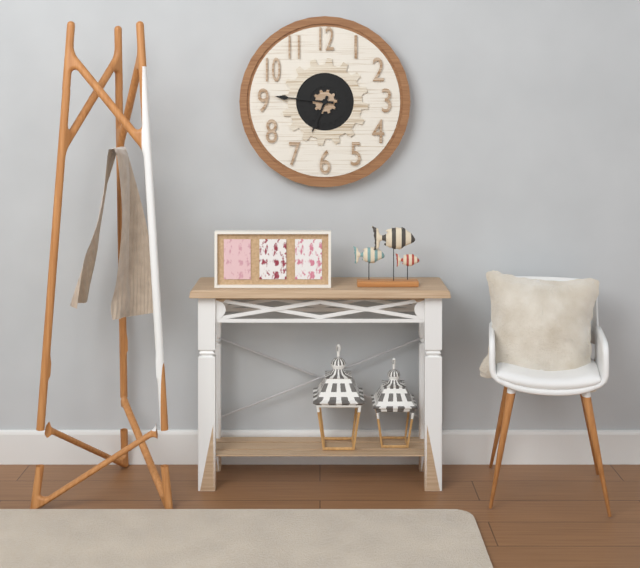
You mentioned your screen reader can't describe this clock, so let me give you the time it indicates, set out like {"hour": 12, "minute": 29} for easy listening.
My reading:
{"hour": 6, "minute": 46}
